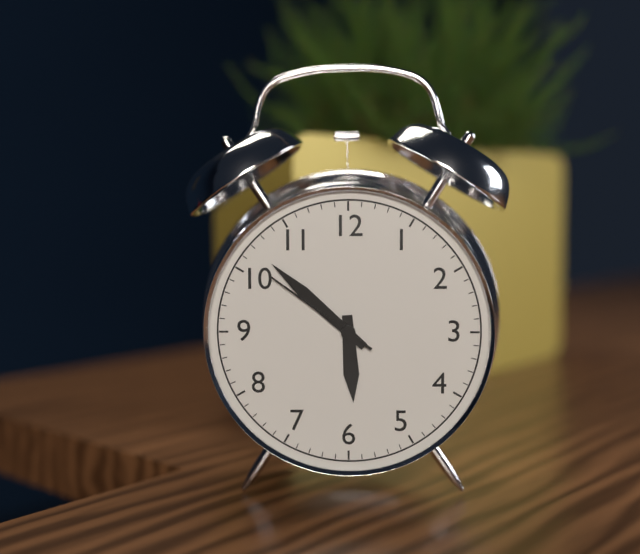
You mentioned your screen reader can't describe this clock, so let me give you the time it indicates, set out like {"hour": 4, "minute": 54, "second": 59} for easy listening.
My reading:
{"hour": 5, "minute": 52, "second": 51}
